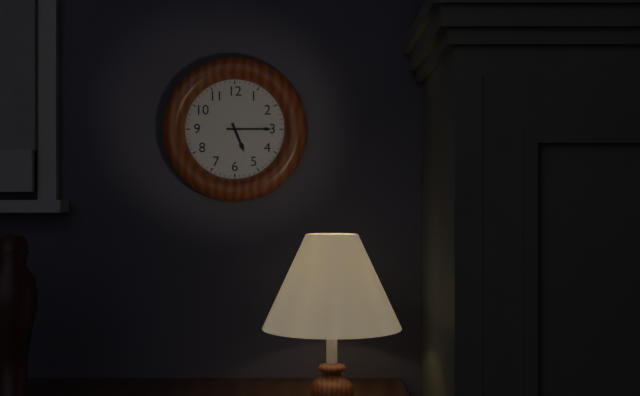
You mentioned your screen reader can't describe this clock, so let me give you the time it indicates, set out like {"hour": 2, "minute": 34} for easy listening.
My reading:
{"hour": 5, "minute": 15}
